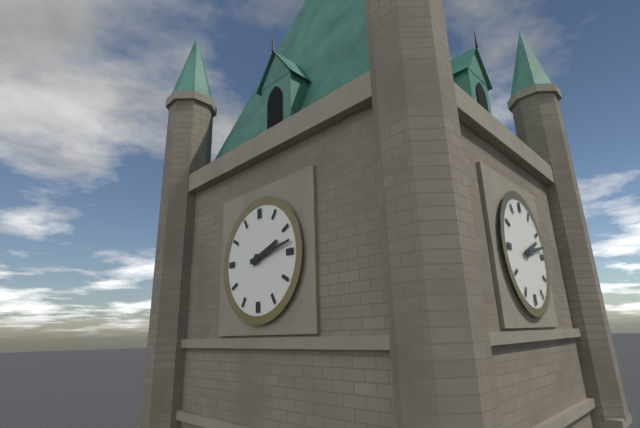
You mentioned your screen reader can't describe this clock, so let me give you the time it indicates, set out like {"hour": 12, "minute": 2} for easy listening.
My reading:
{"hour": 2, "minute": 13}
